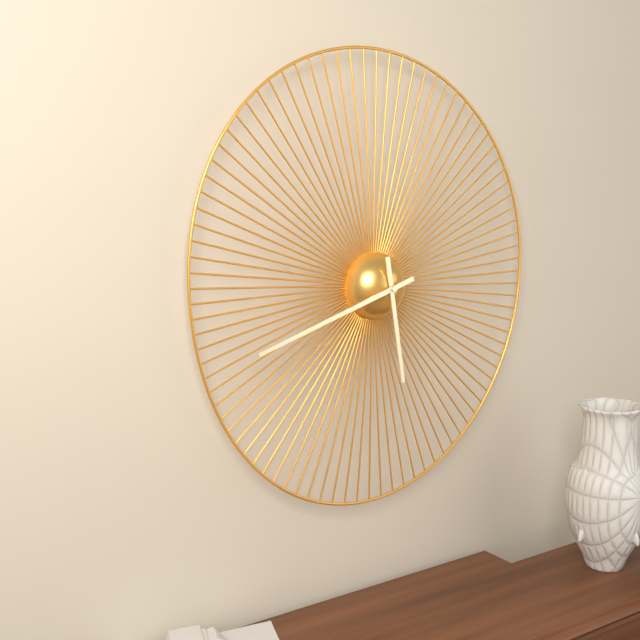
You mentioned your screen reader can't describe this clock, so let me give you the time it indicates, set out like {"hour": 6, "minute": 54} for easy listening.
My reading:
{"hour": 5, "minute": 42}
